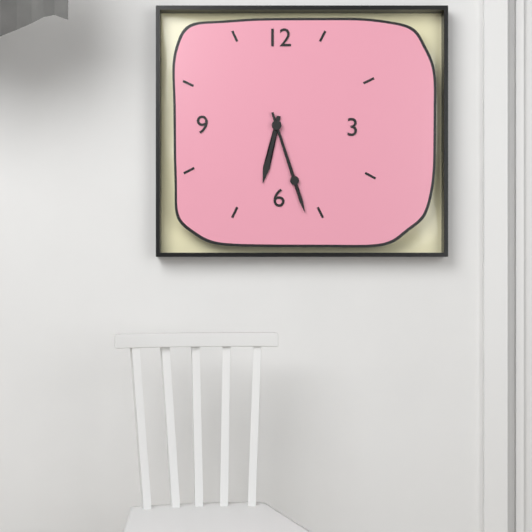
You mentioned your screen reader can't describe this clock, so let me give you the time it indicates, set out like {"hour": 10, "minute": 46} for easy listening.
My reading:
{"hour": 6, "minute": 27}
